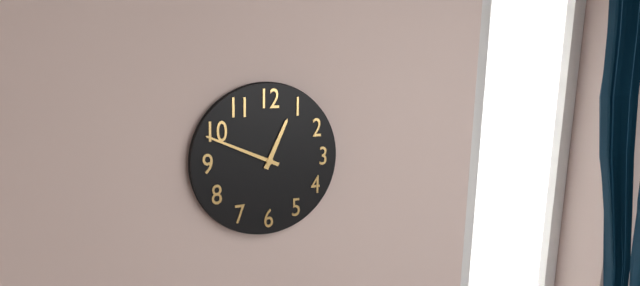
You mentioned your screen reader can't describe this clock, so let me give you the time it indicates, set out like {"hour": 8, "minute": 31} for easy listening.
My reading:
{"hour": 12, "minute": 49}
